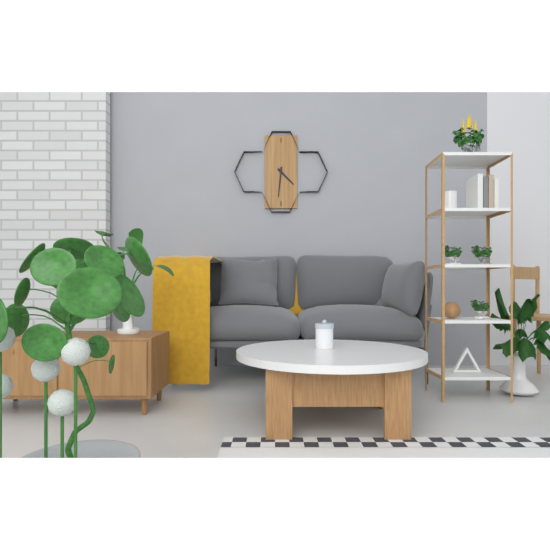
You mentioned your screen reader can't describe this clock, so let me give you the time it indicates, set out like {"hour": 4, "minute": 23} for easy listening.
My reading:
{"hour": 4, "minute": 31}
